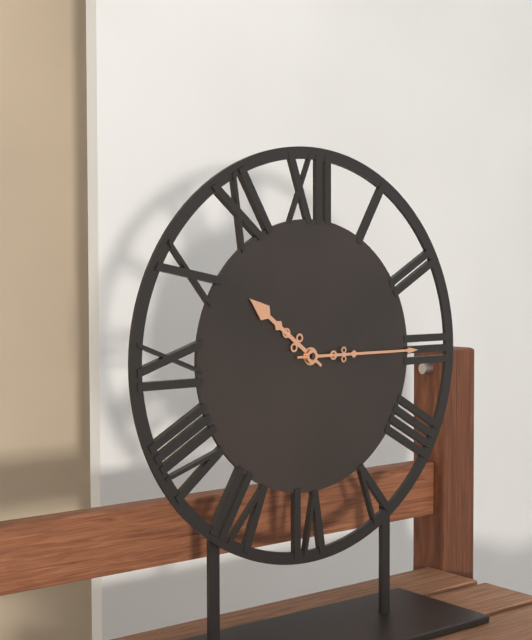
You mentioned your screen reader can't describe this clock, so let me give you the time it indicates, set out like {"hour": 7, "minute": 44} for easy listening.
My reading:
{"hour": 10, "minute": 15}
